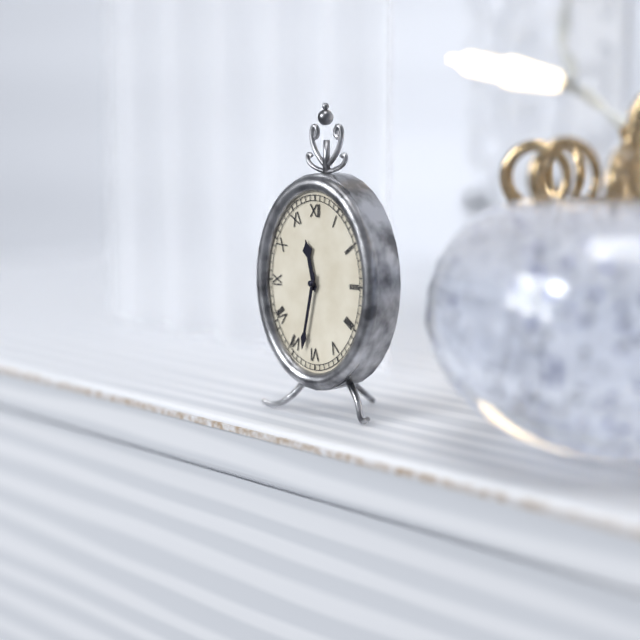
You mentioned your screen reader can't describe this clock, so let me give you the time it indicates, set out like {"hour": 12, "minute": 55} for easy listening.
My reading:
{"hour": 11, "minute": 32}
